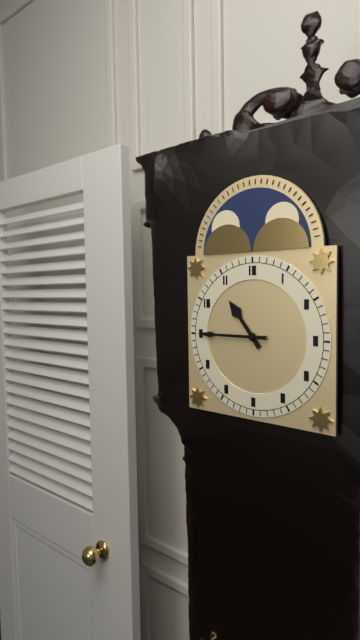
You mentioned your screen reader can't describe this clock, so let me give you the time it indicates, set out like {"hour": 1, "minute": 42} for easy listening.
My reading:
{"hour": 10, "minute": 45}
